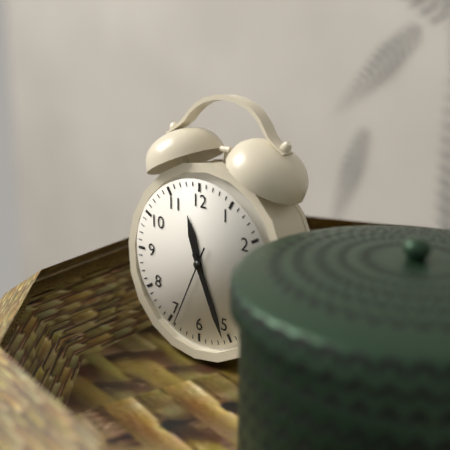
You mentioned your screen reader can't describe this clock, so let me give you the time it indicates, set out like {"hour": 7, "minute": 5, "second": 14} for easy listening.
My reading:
{"hour": 11, "minute": 26, "second": 34}
